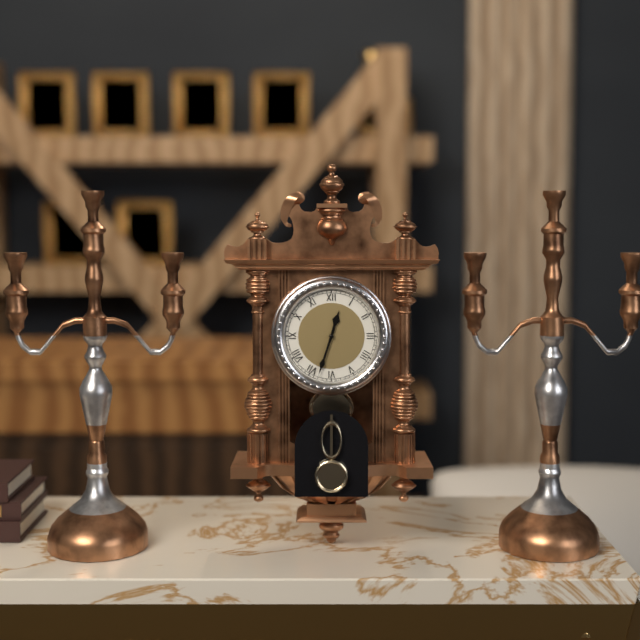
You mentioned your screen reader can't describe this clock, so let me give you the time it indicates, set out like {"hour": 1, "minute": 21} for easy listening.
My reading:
{"hour": 12, "minute": 33}
